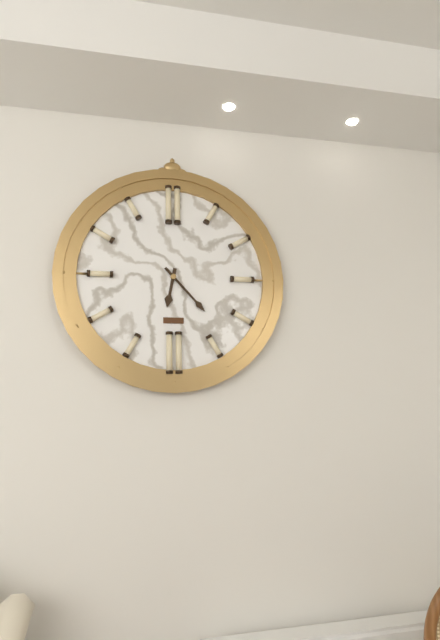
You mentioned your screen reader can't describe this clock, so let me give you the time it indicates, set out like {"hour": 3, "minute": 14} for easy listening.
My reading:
{"hour": 6, "minute": 23}
